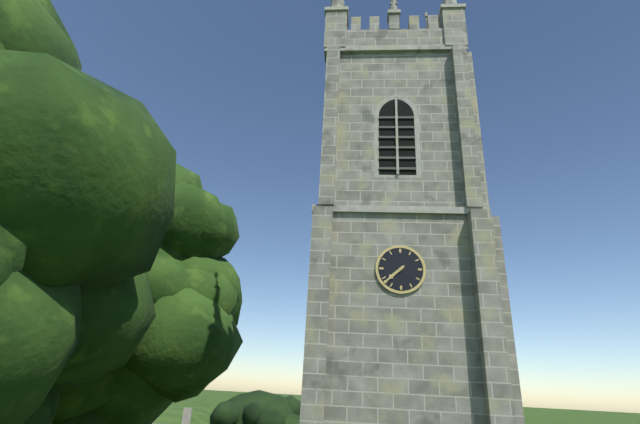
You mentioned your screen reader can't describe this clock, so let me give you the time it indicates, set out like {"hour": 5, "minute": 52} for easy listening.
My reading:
{"hour": 7, "minute": 38}
